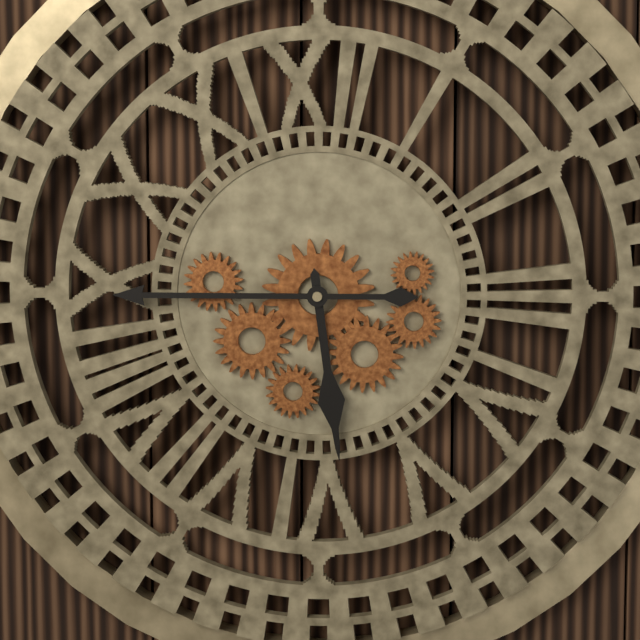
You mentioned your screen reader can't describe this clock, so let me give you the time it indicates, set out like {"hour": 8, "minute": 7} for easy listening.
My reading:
{"hour": 5, "minute": 45}
